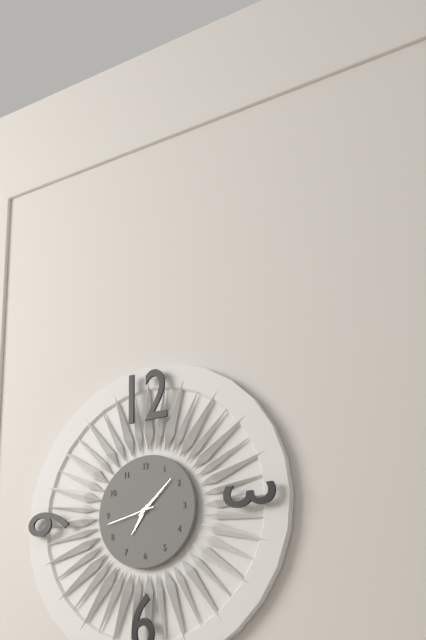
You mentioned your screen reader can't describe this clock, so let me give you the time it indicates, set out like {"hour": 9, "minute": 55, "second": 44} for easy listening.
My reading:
{"hour": 7, "minute": 8, "second": 43}
